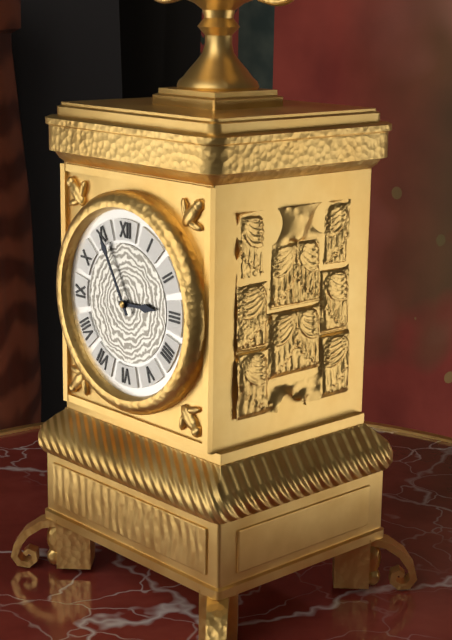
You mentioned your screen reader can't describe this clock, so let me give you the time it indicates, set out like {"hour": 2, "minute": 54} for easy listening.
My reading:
{"hour": 2, "minute": 55}
